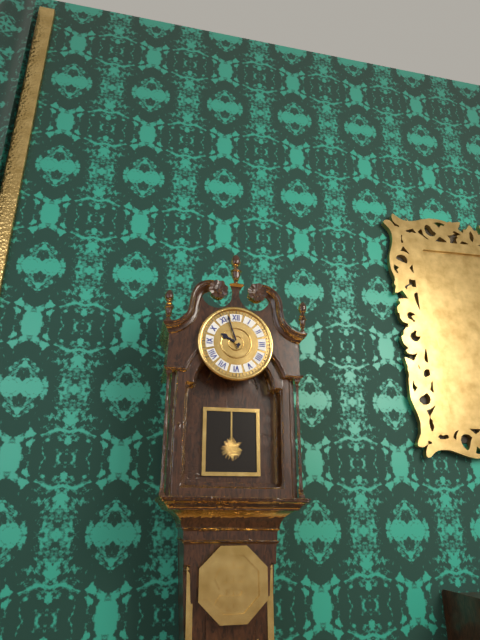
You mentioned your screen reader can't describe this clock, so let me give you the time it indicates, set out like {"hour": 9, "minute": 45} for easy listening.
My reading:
{"hour": 9, "minute": 57}
